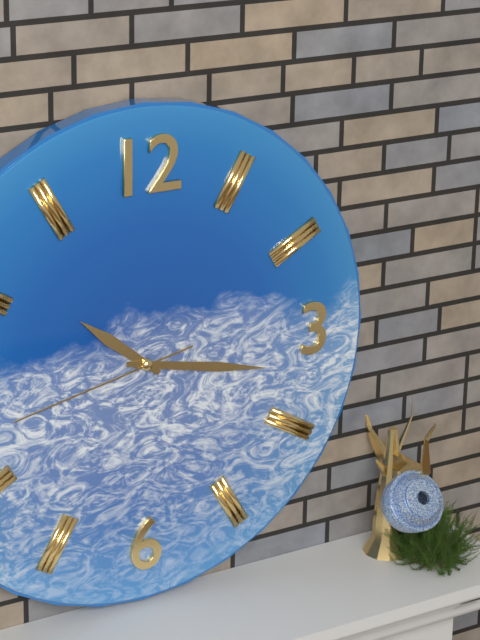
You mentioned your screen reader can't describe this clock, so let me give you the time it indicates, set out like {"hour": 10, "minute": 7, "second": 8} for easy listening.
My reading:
{"hour": 10, "minute": 17, "second": 43}
